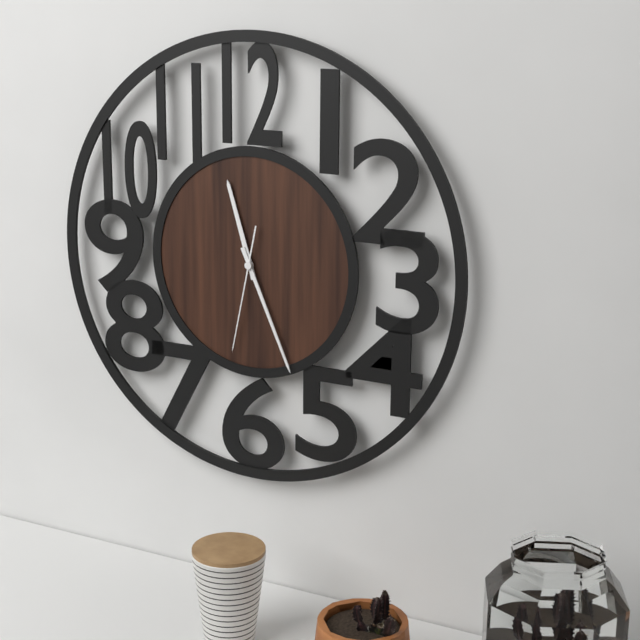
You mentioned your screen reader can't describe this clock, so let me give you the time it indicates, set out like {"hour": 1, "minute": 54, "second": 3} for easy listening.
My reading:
{"hour": 11, "minute": 26, "second": 32}
